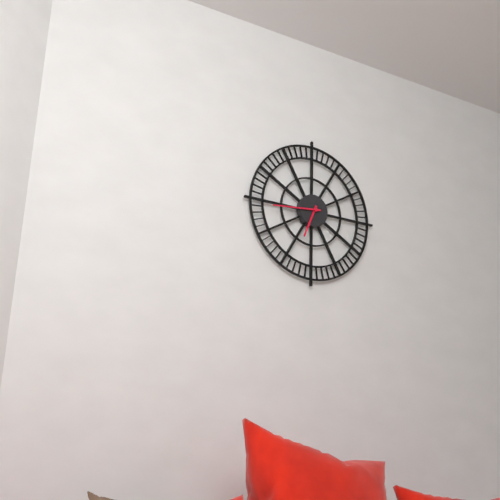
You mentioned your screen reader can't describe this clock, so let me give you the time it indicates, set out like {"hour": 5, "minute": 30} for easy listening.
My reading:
{"hour": 6, "minute": 44}
